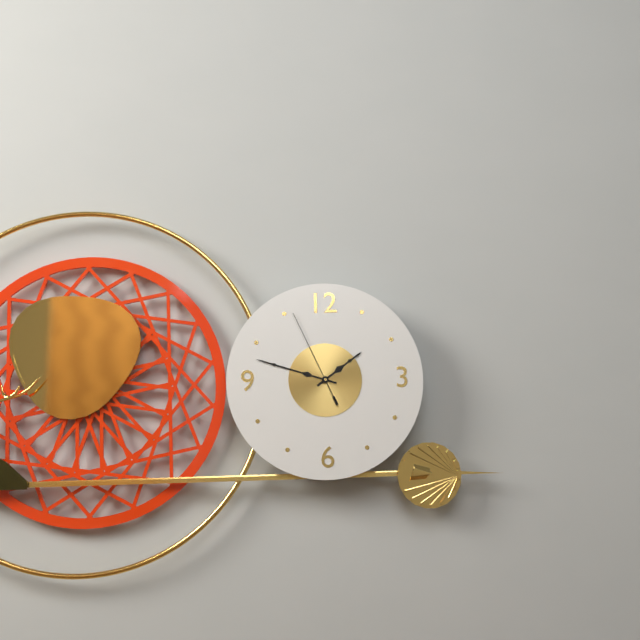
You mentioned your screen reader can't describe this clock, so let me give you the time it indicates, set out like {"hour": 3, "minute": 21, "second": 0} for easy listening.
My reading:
{"hour": 1, "minute": 48, "second": 56}
